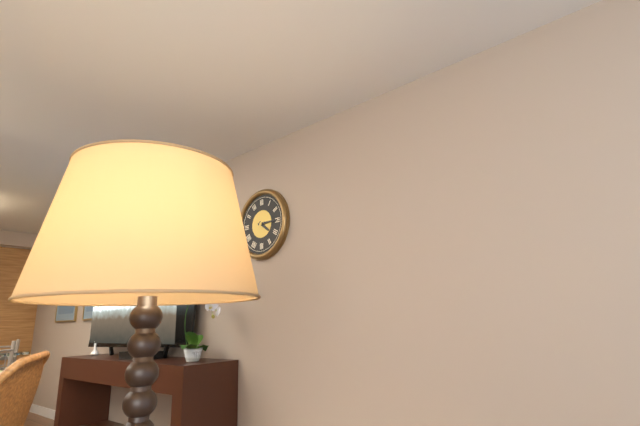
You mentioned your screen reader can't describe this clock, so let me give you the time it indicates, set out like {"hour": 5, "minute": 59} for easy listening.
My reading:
{"hour": 4, "minute": 15}
